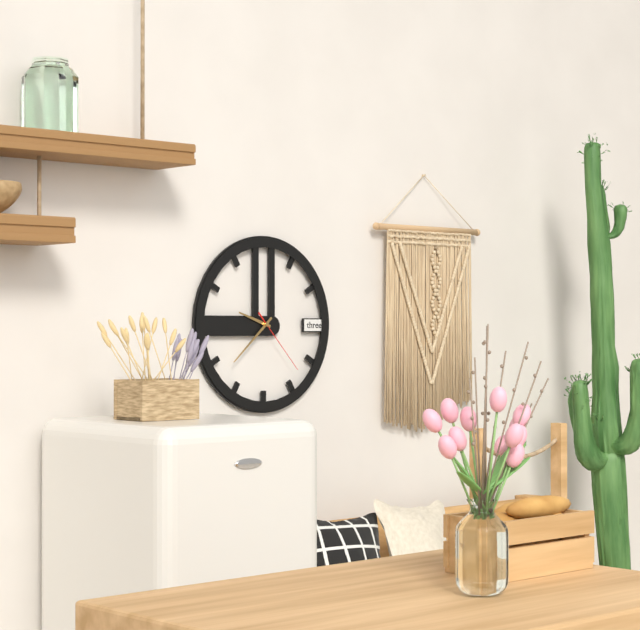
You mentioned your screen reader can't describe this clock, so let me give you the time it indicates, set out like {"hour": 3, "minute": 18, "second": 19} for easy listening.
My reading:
{"hour": 9, "minute": 38, "second": 23}
